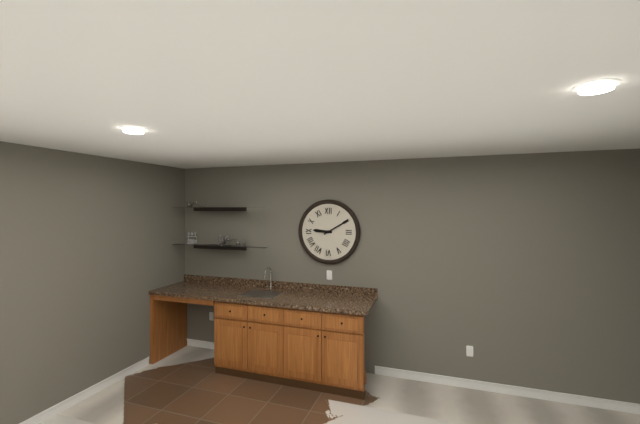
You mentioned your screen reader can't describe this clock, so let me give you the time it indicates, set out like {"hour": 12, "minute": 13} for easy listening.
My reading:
{"hour": 9, "minute": 10}
